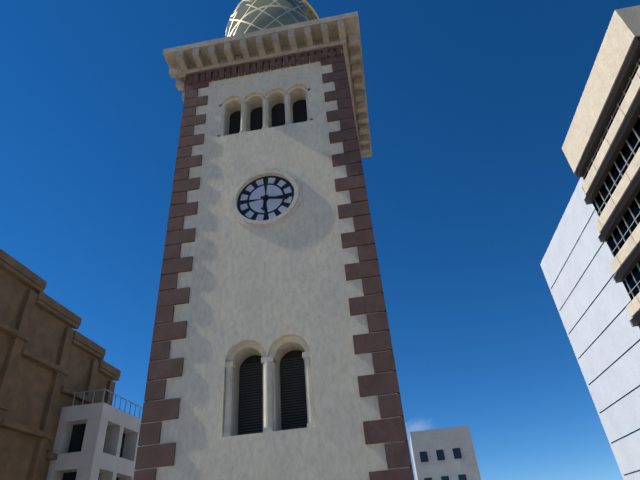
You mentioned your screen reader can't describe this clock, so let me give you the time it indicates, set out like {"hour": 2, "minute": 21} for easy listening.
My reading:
{"hour": 6, "minute": 17}
